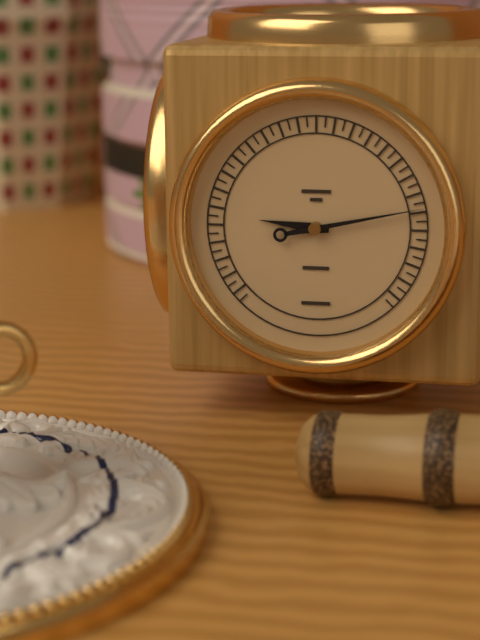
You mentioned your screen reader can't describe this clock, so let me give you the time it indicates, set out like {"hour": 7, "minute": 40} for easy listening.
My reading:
{"hour": 9, "minute": 13}
